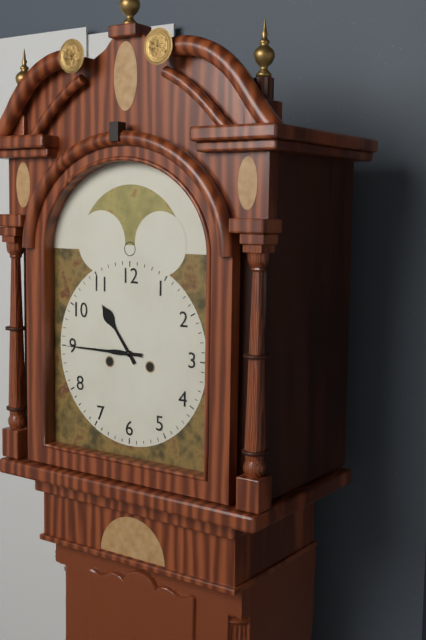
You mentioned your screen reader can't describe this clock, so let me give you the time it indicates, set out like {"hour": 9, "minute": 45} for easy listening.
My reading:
{"hour": 10, "minute": 45}
